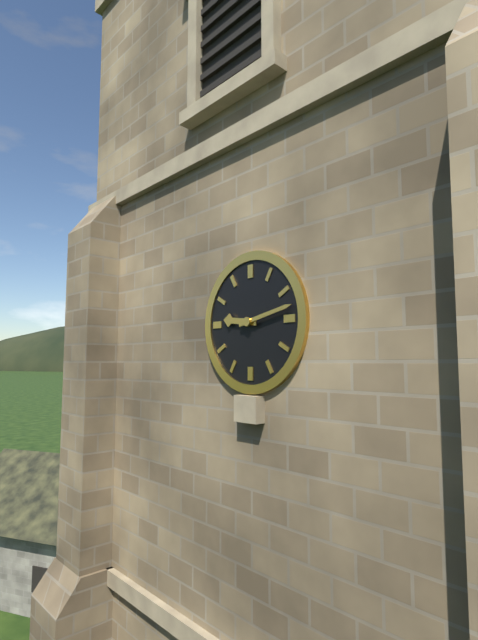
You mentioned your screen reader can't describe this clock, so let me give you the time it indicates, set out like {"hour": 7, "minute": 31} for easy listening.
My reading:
{"hour": 9, "minute": 13}
